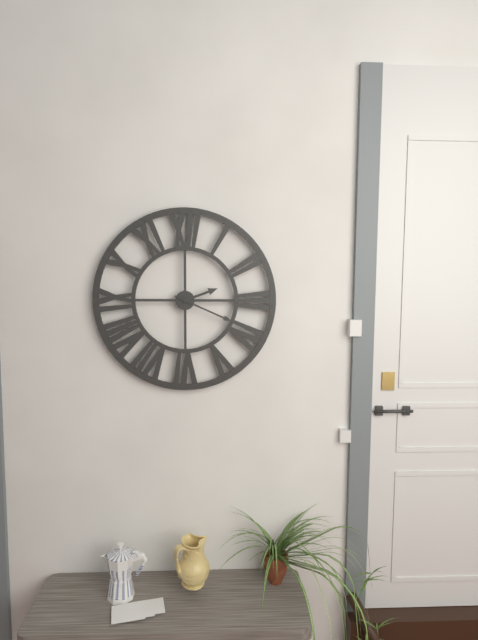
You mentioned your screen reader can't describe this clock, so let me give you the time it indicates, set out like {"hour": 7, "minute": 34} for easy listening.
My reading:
{"hour": 2, "minute": 19}
